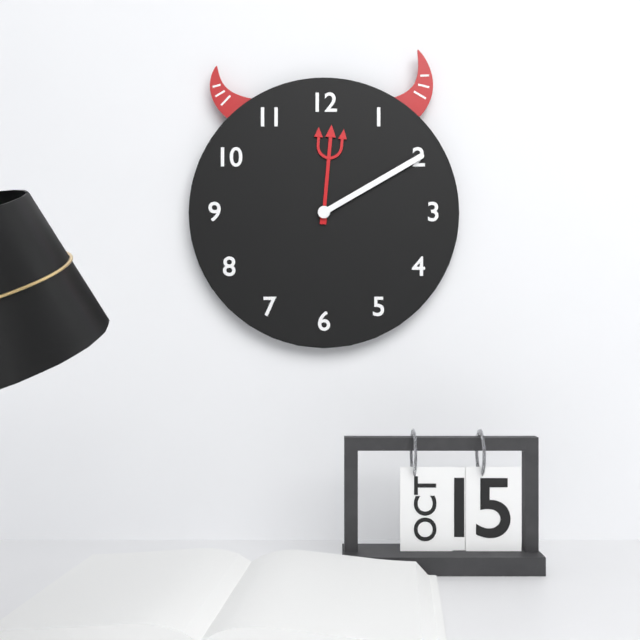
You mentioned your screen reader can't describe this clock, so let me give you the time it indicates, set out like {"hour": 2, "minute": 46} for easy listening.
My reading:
{"hour": 12, "minute": 10}
